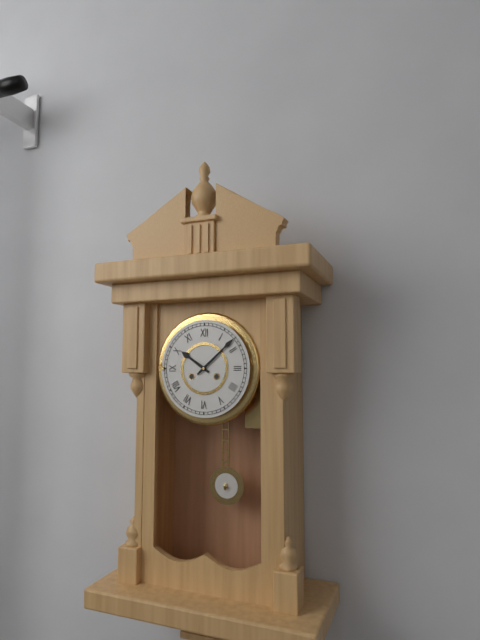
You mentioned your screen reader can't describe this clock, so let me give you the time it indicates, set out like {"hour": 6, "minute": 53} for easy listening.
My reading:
{"hour": 10, "minute": 8}
